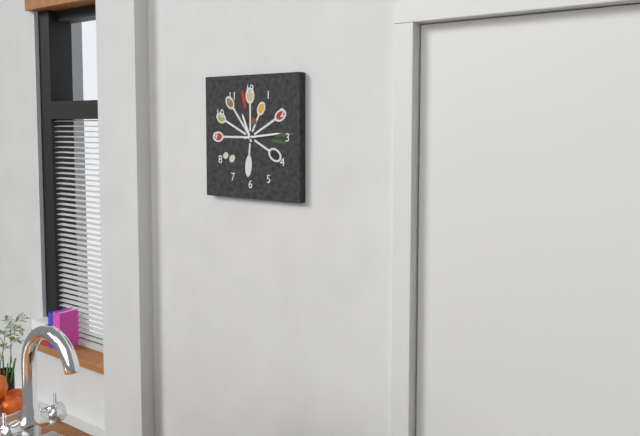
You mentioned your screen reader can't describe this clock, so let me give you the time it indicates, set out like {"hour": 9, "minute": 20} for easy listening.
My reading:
{"hour": 11, "minute": 14}
